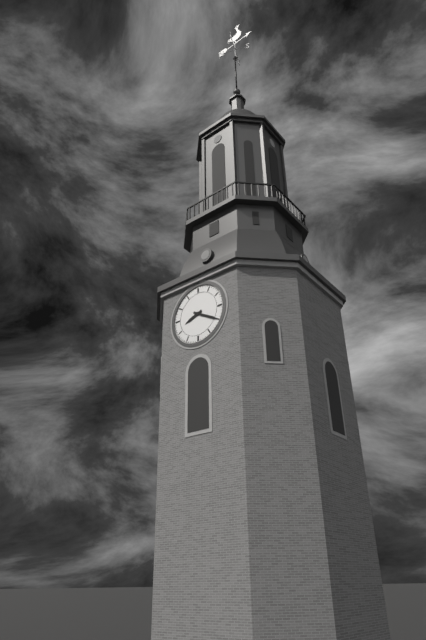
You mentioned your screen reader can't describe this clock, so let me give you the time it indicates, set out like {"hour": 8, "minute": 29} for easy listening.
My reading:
{"hour": 8, "minute": 20}
